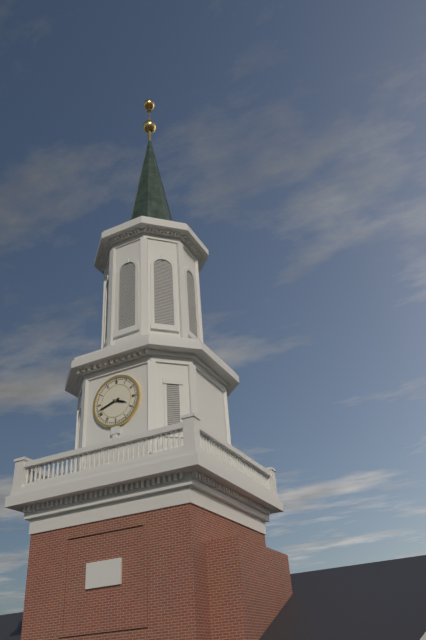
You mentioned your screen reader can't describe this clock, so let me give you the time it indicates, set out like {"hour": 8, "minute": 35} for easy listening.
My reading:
{"hour": 3, "minute": 42}
